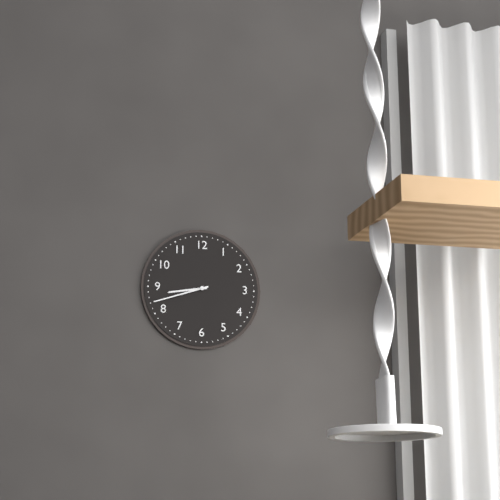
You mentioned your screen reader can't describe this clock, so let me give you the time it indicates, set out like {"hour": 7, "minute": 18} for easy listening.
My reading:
{"hour": 8, "minute": 42}
